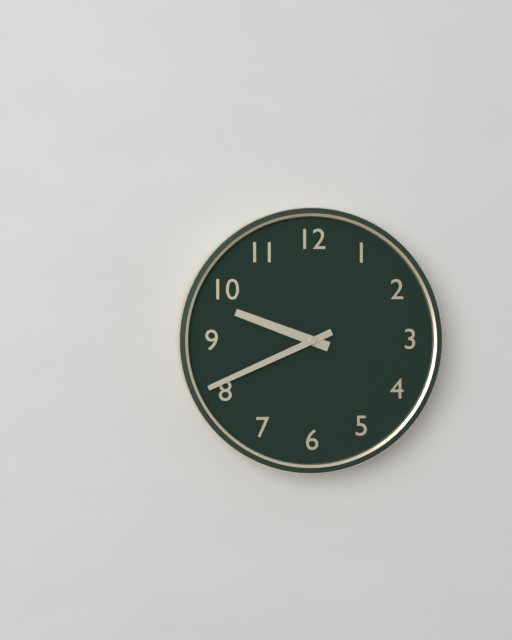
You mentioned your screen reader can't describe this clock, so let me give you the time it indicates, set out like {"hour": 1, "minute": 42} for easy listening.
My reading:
{"hour": 9, "minute": 41}
